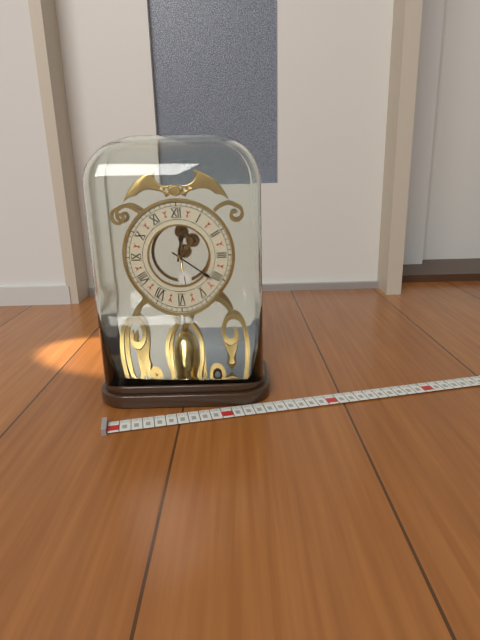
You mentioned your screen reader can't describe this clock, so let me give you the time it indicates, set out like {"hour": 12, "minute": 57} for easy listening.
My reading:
{"hour": 12, "minute": 21}
